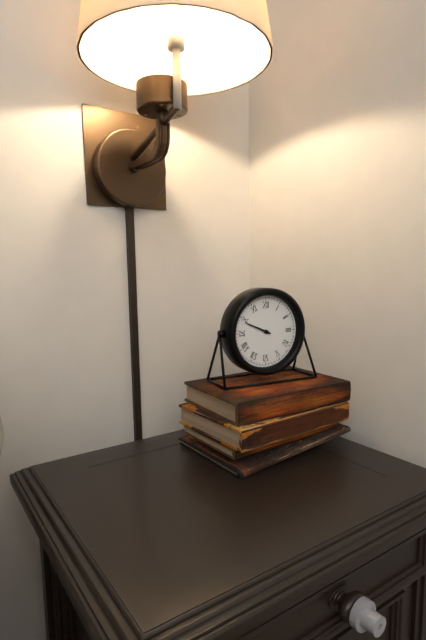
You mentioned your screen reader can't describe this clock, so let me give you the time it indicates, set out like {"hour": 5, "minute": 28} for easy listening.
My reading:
{"hour": 9, "minute": 49}
